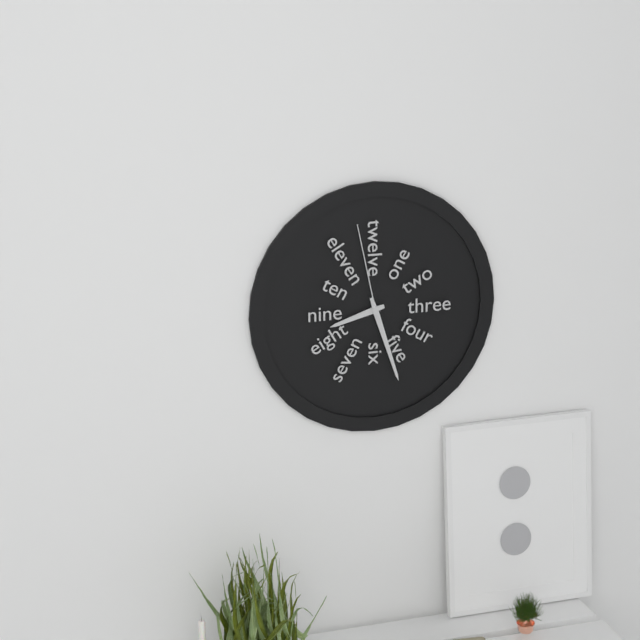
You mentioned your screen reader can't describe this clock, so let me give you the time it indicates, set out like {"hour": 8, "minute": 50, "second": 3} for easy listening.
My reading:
{"hour": 8, "minute": 27, "second": 58}
